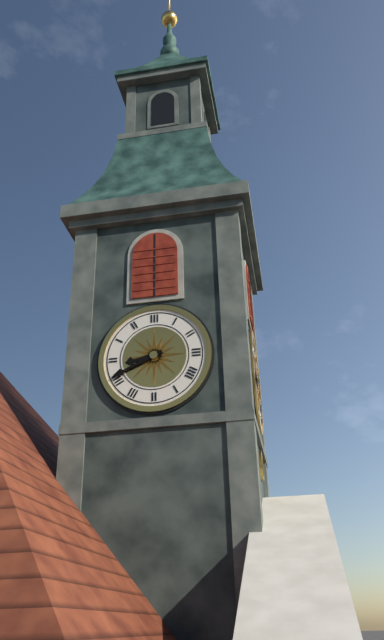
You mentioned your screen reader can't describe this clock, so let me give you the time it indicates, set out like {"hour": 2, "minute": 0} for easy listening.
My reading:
{"hour": 8, "minute": 41}
